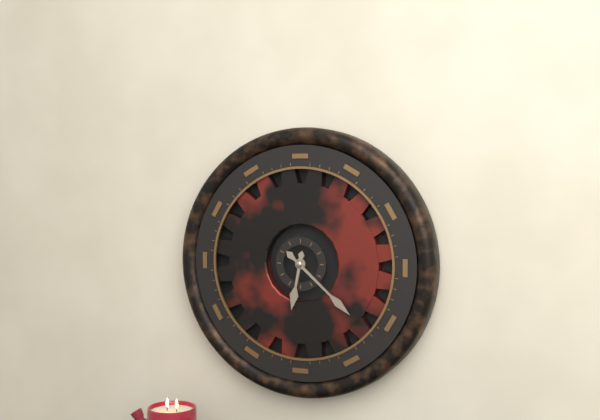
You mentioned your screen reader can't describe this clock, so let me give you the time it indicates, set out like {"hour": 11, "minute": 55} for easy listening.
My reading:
{"hour": 6, "minute": 22}
